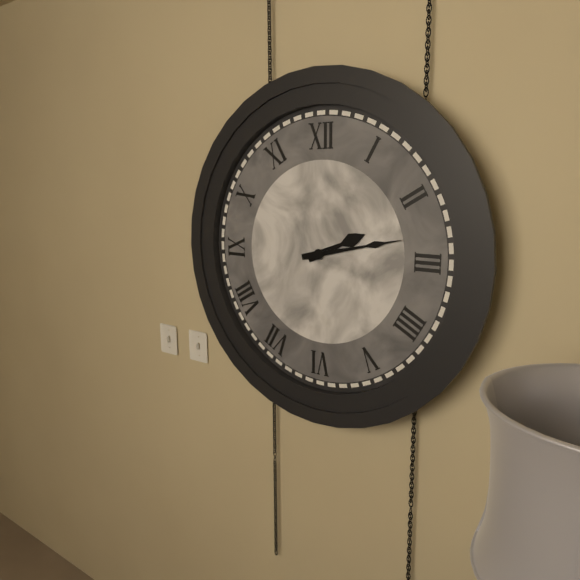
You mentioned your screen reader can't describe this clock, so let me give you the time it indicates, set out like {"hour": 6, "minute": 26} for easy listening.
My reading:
{"hour": 2, "minute": 13}
